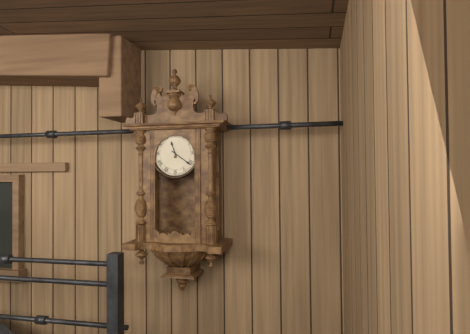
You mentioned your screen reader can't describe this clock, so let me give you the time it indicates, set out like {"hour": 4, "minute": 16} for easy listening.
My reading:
{"hour": 11, "minute": 21}
